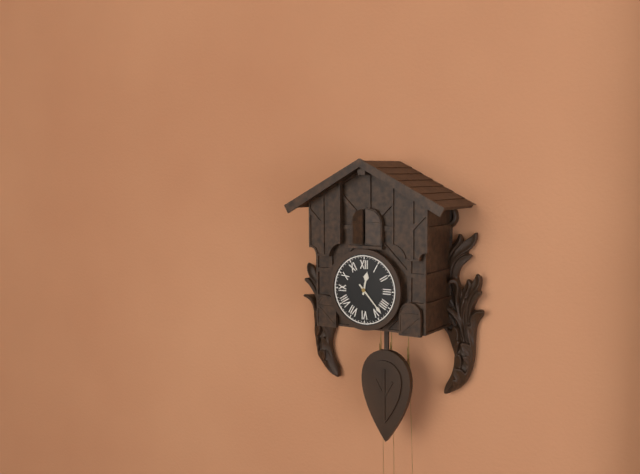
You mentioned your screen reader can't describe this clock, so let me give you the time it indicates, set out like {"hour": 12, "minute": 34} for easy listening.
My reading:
{"hour": 12, "minute": 23}
